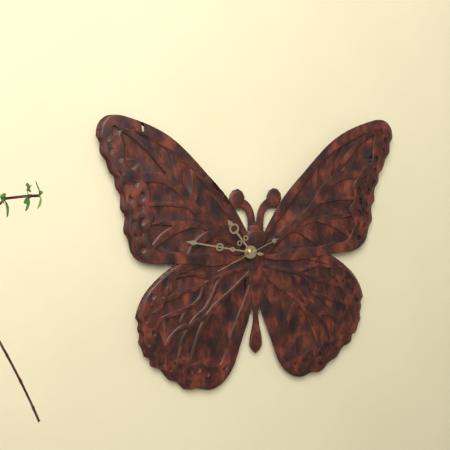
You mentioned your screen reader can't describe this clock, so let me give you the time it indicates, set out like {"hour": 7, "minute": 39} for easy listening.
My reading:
{"hour": 10, "minute": 47}
